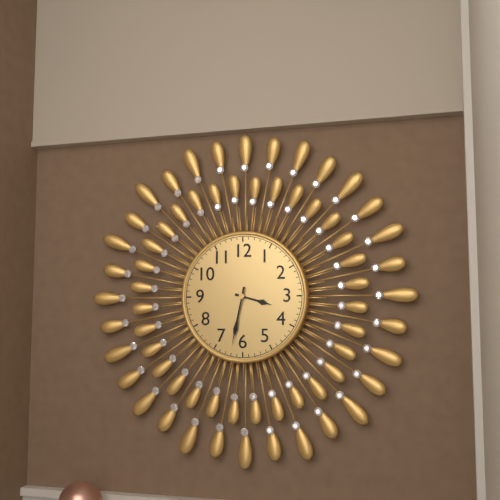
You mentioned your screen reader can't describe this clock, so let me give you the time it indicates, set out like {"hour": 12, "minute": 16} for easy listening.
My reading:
{"hour": 3, "minute": 32}
